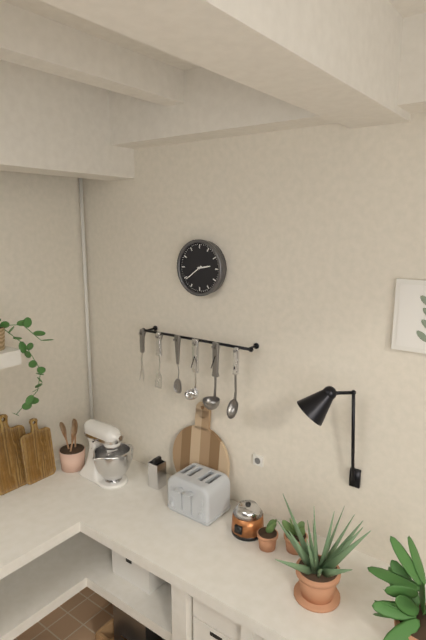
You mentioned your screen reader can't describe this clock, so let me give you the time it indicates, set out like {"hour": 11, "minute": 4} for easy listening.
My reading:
{"hour": 2, "minute": 39}
